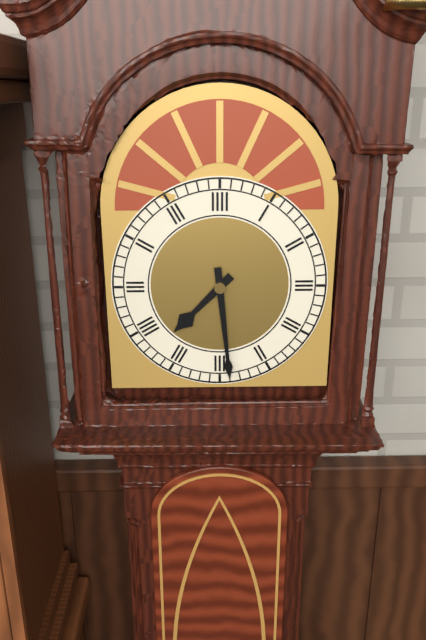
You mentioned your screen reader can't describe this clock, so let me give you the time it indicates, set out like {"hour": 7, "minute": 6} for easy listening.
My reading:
{"hour": 7, "minute": 29}
